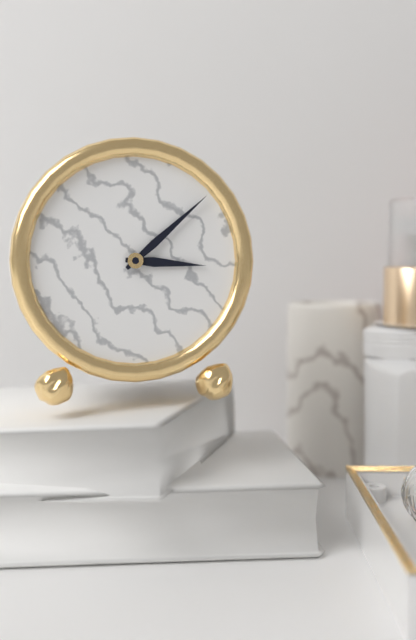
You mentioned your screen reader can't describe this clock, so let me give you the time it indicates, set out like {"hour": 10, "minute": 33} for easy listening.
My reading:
{"hour": 3, "minute": 8}
